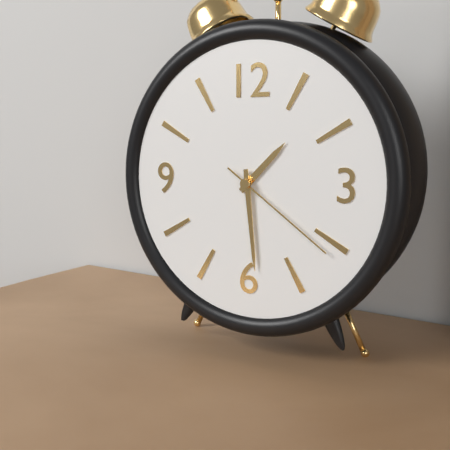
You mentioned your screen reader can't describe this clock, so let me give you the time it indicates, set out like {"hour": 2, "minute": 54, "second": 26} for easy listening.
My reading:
{"hour": 1, "minute": 29, "second": 21}
